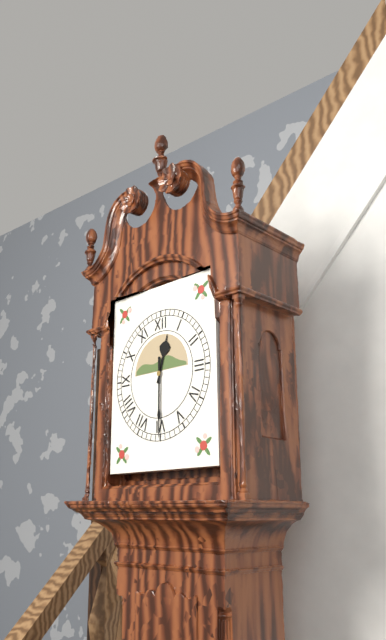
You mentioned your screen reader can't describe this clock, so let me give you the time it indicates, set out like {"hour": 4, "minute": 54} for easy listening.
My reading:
{"hour": 12, "minute": 30}
